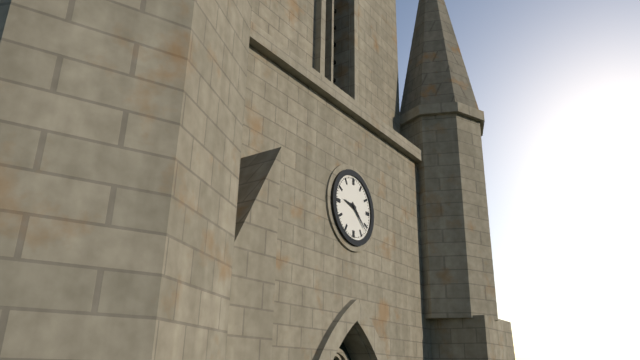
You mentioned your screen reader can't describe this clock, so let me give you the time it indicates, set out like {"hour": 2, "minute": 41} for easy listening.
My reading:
{"hour": 9, "minute": 22}
